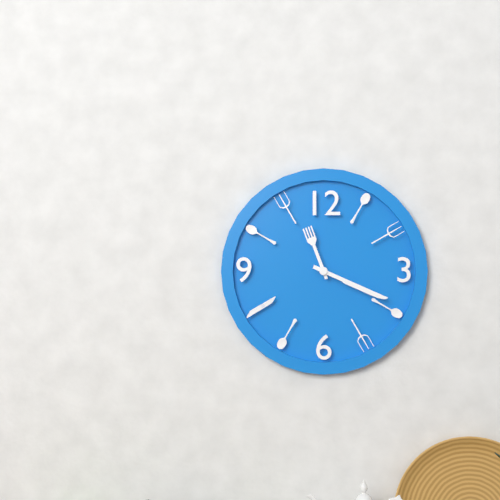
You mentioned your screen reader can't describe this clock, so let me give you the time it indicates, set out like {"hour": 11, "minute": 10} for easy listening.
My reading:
{"hour": 11, "minute": 19}
